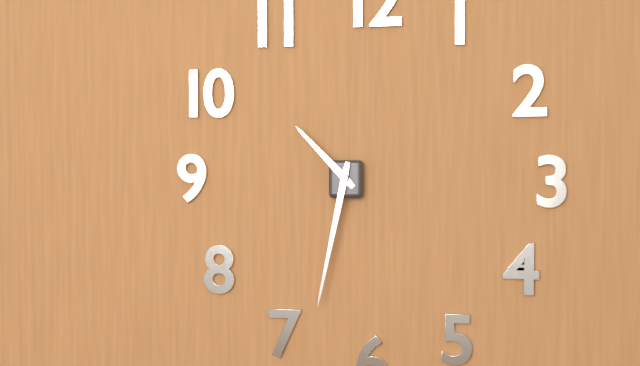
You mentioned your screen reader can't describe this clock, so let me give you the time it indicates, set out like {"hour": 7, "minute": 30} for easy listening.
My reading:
{"hour": 10, "minute": 32}
